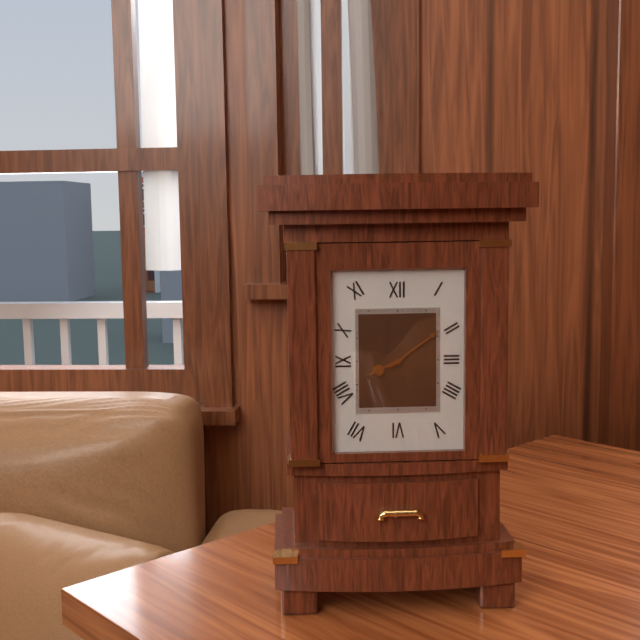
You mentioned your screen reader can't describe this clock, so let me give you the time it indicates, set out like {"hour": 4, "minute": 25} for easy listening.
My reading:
{"hour": 8, "minute": 9}
